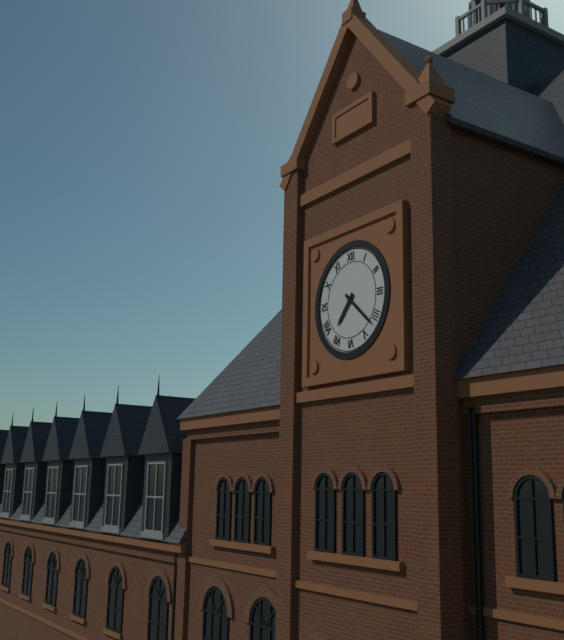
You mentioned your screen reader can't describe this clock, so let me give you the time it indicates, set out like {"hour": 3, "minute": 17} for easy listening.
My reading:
{"hour": 7, "minute": 22}
